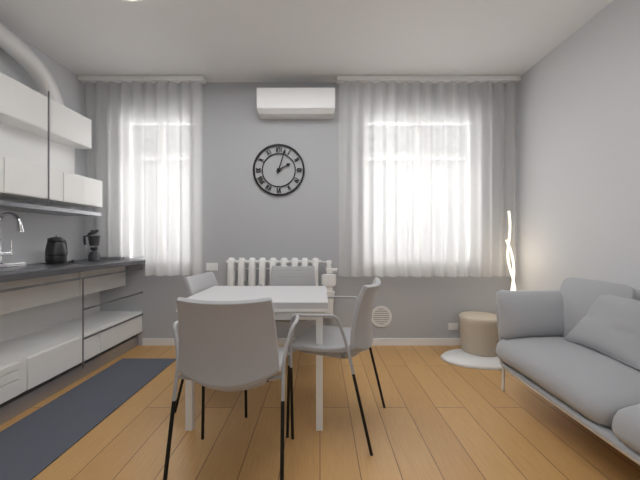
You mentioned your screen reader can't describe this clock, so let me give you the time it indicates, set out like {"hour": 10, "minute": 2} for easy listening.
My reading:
{"hour": 2, "minute": 3}
